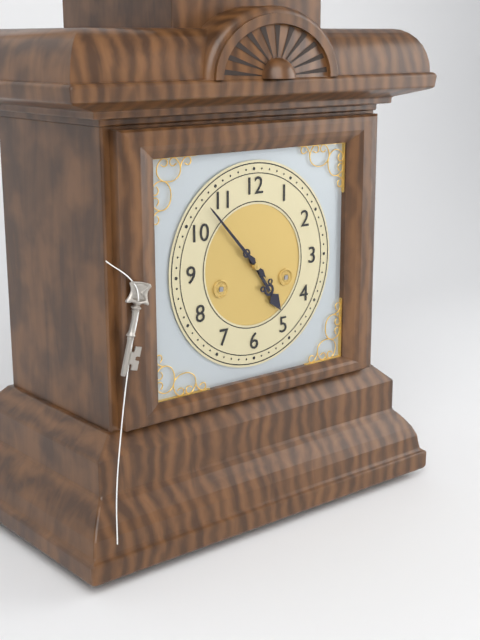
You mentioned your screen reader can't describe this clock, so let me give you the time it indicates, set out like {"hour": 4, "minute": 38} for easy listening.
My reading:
{"hour": 4, "minute": 53}
